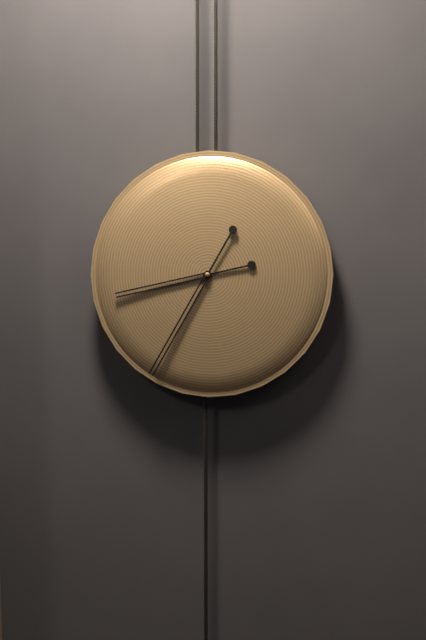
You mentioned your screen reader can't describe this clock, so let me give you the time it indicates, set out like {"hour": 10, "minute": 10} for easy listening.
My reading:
{"hour": 8, "minute": 35}
